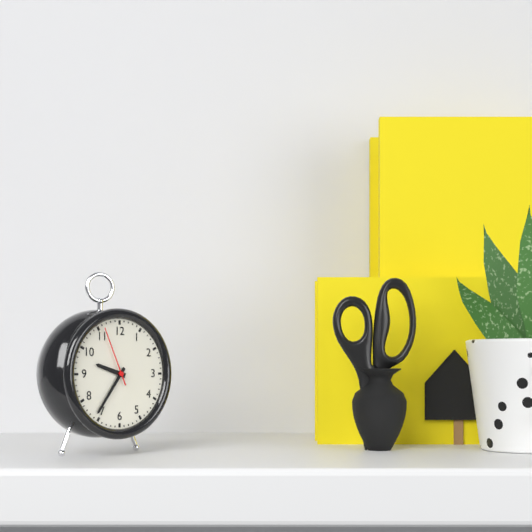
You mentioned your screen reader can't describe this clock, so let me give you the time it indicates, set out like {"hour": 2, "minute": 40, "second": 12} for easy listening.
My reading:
{"hour": 9, "minute": 36, "second": 56}
